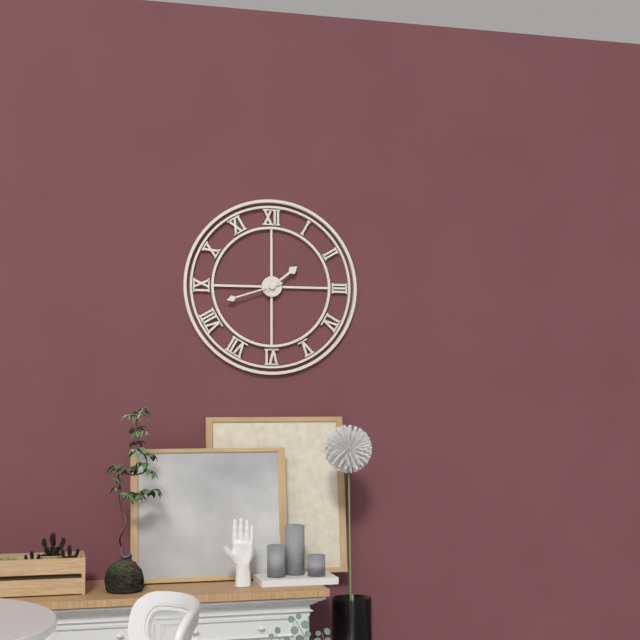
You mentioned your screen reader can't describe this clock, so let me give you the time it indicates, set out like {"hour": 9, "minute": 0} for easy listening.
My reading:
{"hour": 1, "minute": 42}
